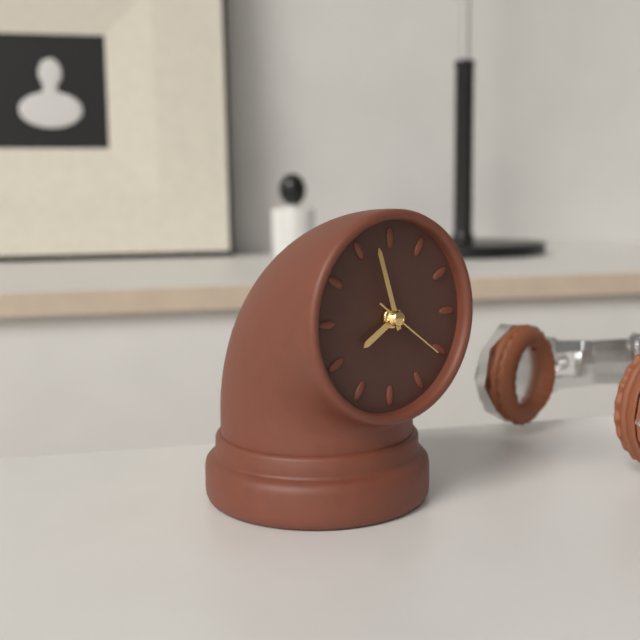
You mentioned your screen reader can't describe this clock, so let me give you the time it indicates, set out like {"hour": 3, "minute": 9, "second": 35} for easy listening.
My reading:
{"hour": 7, "minute": 57, "second": 21}
